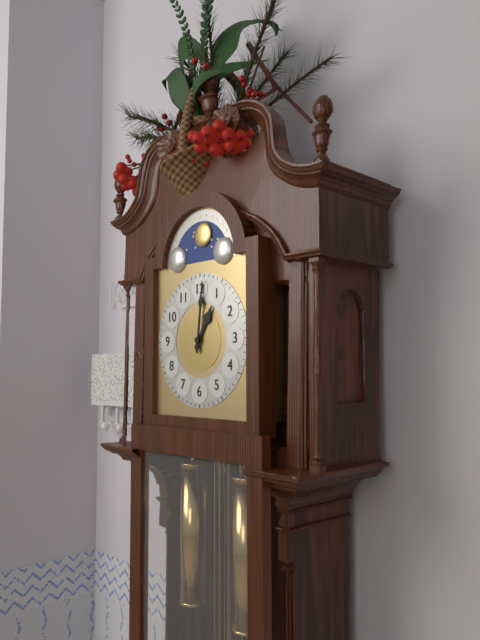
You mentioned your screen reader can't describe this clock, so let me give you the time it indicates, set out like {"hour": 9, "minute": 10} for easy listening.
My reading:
{"hour": 1, "minute": 1}
